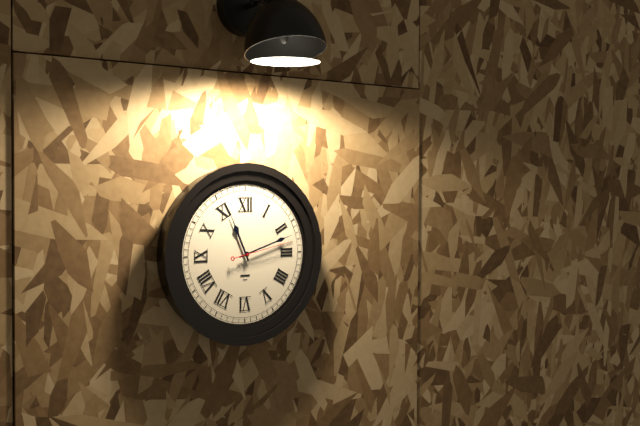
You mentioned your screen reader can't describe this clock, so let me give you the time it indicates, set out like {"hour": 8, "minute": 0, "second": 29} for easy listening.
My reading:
{"hour": 11, "minute": 12, "second": 13}
